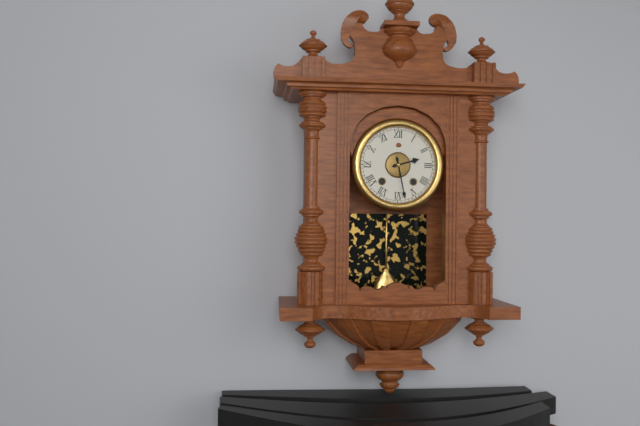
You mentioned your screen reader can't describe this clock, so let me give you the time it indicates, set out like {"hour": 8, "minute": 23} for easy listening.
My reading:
{"hour": 2, "minute": 28}
